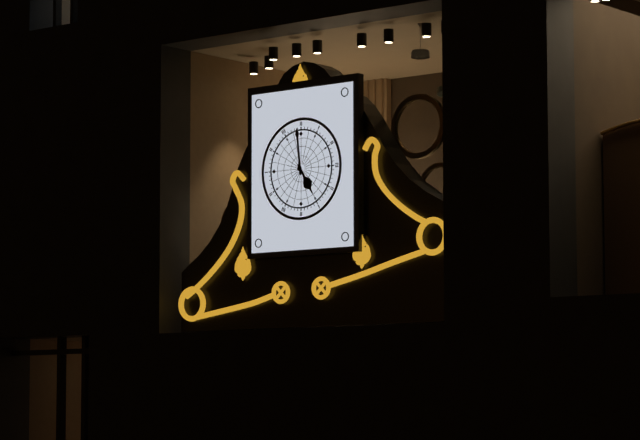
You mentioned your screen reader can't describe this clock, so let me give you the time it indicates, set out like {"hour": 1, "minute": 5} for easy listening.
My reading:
{"hour": 4, "minute": 59}
